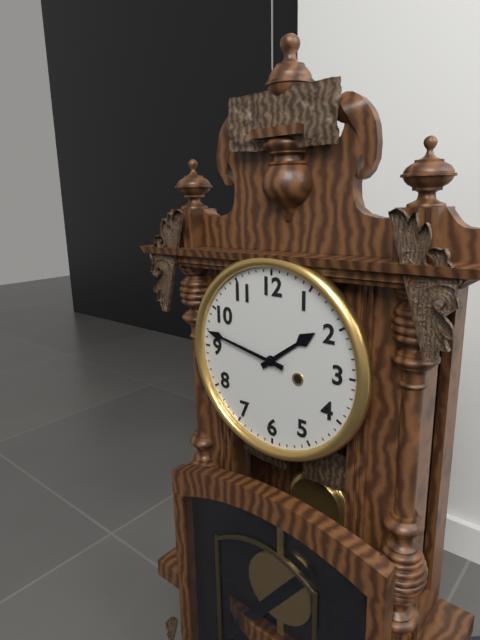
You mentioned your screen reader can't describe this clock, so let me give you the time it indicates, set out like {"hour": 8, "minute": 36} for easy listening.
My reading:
{"hour": 1, "minute": 47}
